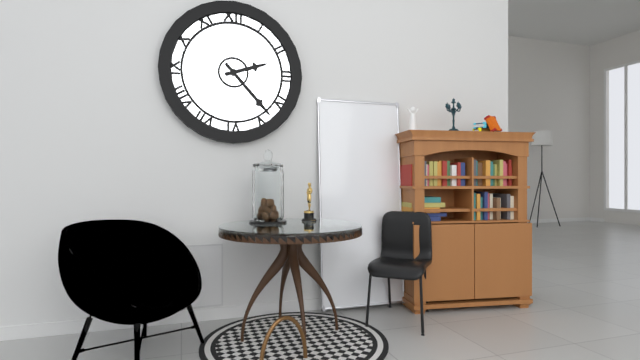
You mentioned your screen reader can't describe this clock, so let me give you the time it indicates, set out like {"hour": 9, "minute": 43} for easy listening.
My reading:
{"hour": 2, "minute": 23}
